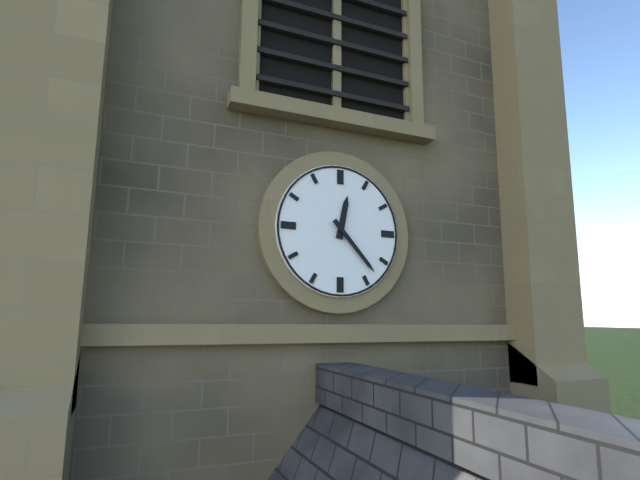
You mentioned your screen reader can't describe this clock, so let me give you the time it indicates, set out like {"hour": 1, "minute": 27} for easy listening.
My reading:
{"hour": 12, "minute": 23}
